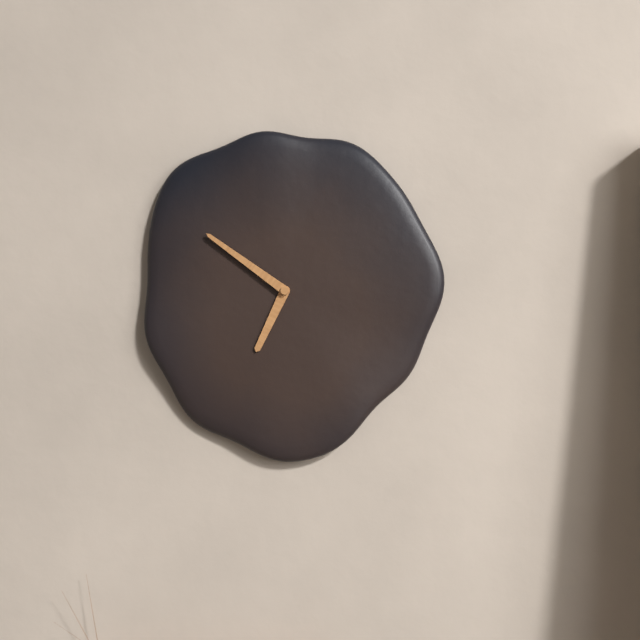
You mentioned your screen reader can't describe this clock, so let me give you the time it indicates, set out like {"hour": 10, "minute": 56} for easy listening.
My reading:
{"hour": 6, "minute": 51}
